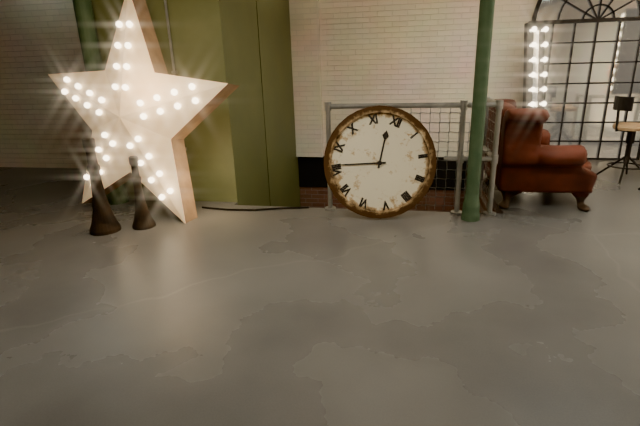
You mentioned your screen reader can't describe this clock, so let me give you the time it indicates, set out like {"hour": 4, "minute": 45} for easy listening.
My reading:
{"hour": 11, "minute": 41}
